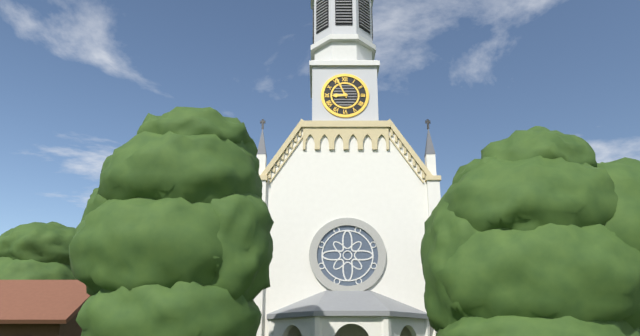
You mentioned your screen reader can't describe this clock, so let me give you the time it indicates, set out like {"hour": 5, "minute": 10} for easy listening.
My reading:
{"hour": 8, "minute": 56}
